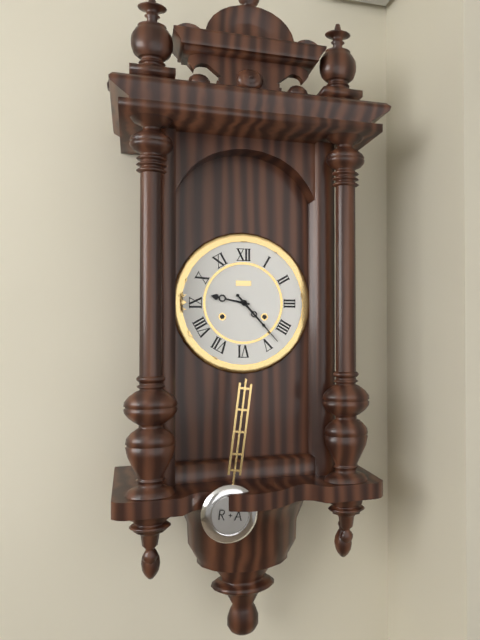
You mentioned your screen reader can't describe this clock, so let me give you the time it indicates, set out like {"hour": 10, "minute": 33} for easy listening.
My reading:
{"hour": 9, "minute": 23}
